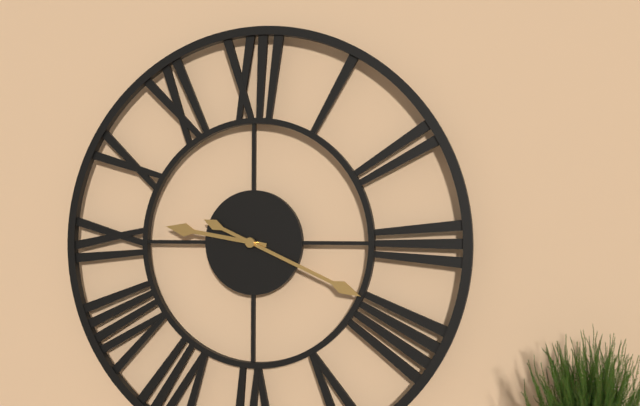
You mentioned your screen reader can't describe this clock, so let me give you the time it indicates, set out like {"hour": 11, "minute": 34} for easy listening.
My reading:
{"hour": 9, "minute": 19}
